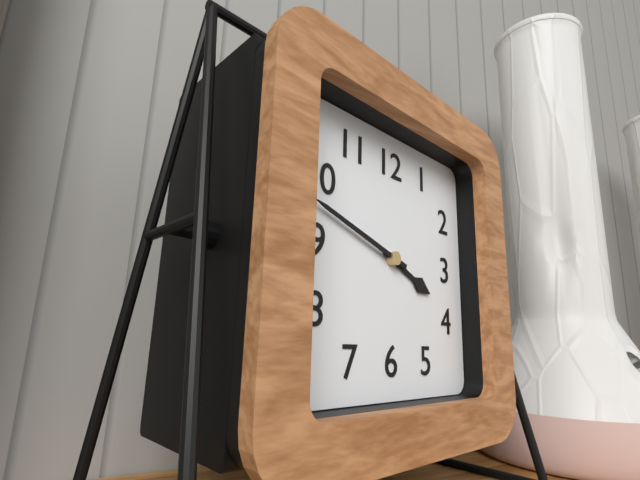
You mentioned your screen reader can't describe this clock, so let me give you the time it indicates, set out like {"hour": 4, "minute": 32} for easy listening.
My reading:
{"hour": 3, "minute": 48}
